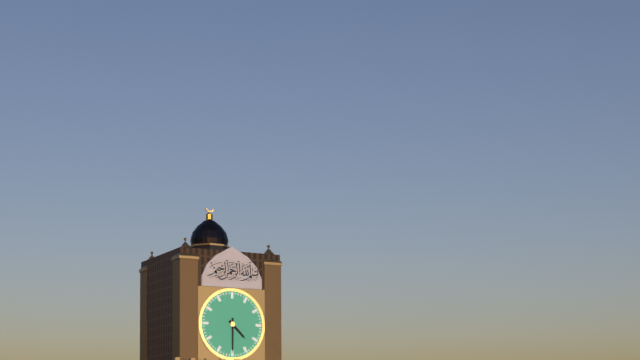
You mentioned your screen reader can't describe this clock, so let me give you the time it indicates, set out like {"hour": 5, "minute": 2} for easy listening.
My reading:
{"hour": 4, "minute": 30}
